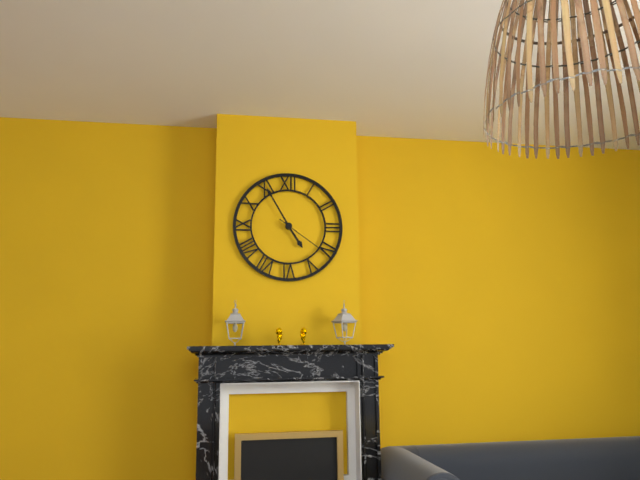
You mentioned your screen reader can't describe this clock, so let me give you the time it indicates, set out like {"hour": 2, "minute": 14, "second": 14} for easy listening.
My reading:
{"hour": 4, "minute": 55, "second": 21}
